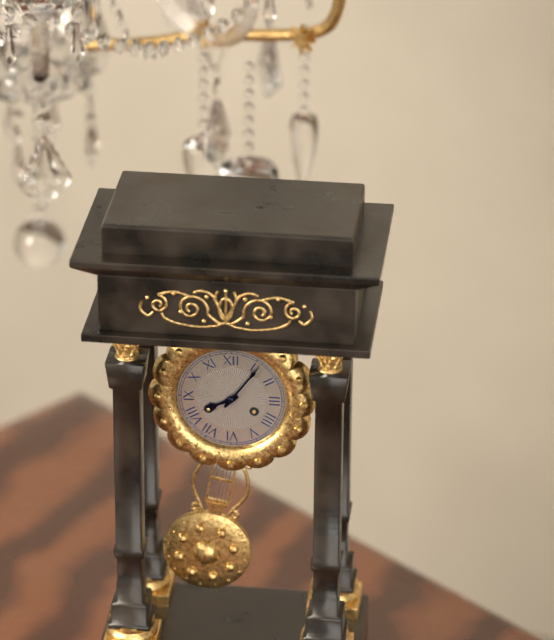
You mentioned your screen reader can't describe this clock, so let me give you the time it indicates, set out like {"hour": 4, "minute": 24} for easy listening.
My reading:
{"hour": 8, "minute": 6}
